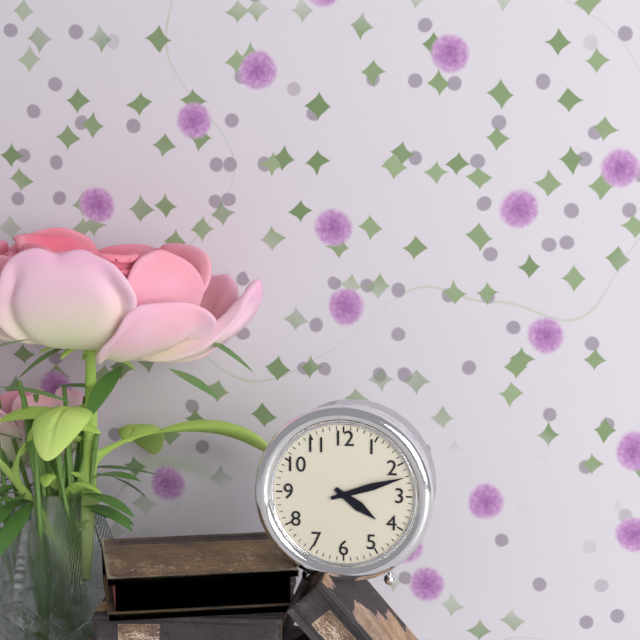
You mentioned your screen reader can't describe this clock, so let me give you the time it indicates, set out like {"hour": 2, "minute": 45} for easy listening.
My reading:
{"hour": 4, "minute": 12}
